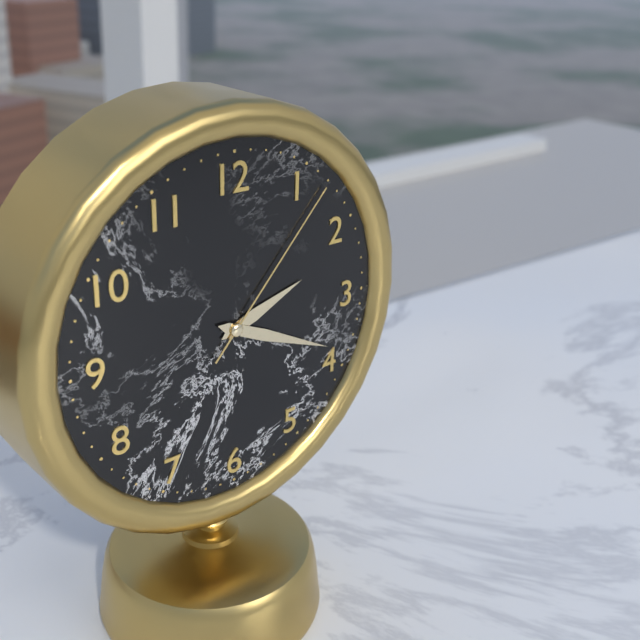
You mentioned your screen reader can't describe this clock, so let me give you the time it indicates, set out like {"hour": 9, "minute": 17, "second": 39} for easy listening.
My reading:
{"hour": 2, "minute": 19, "second": 7}
